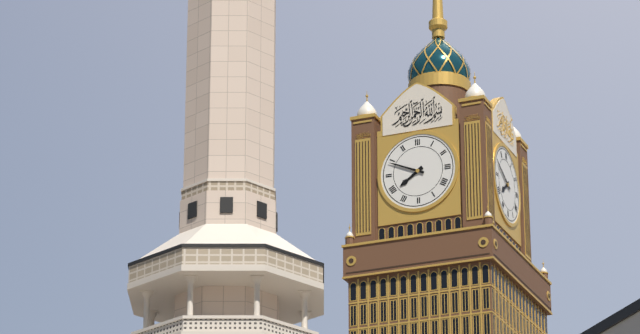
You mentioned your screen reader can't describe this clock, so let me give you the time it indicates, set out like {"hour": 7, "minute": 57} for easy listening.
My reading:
{"hour": 7, "minute": 49}
